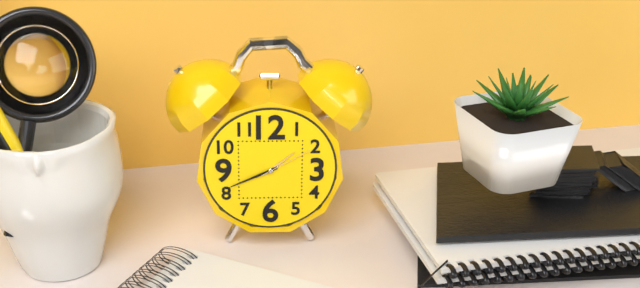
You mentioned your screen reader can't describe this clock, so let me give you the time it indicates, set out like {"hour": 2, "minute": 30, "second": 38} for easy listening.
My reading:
{"hour": 1, "minute": 41, "second": 10}
